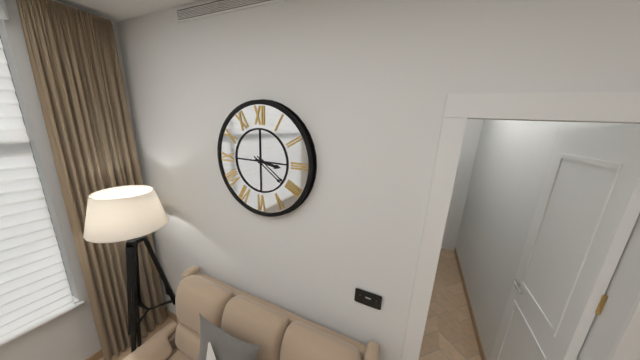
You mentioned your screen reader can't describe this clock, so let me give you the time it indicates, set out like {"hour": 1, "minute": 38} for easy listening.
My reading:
{"hour": 3, "minute": 21}
